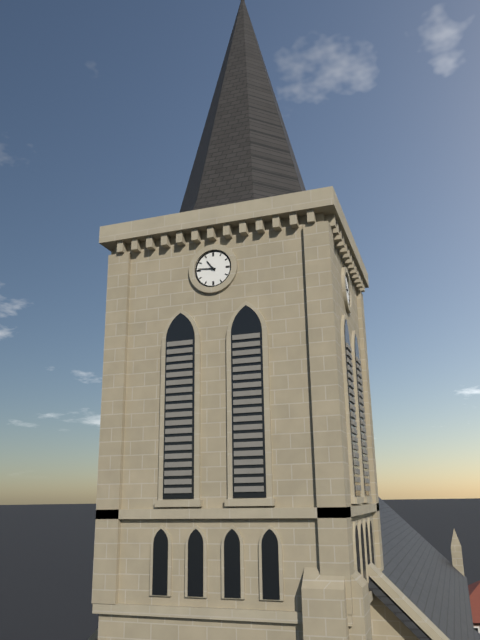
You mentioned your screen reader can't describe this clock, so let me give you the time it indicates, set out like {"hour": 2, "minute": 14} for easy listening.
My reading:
{"hour": 10, "minute": 46}
